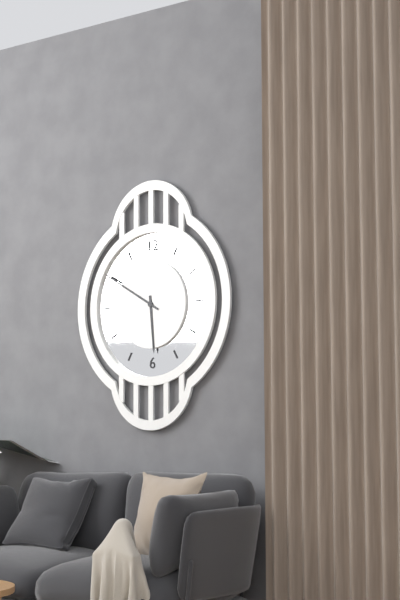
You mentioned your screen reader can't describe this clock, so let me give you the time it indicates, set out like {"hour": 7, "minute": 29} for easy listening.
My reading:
{"hour": 5, "minute": 50}
